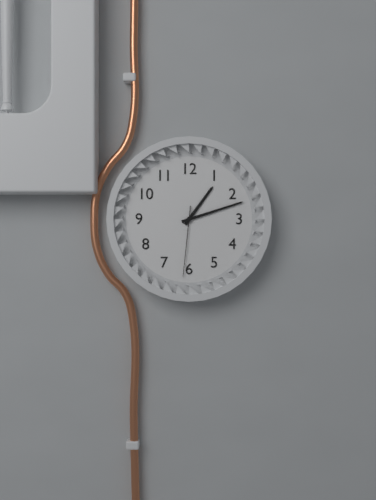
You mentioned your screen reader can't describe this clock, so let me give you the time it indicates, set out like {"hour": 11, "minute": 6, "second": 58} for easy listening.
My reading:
{"hour": 1, "minute": 12, "second": 31}
